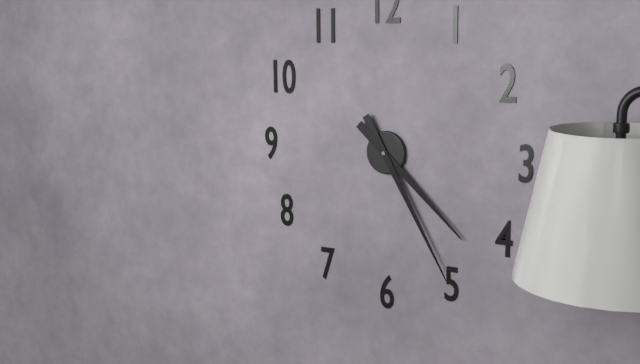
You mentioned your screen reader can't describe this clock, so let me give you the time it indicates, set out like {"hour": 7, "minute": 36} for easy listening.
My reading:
{"hour": 4, "minute": 25}
